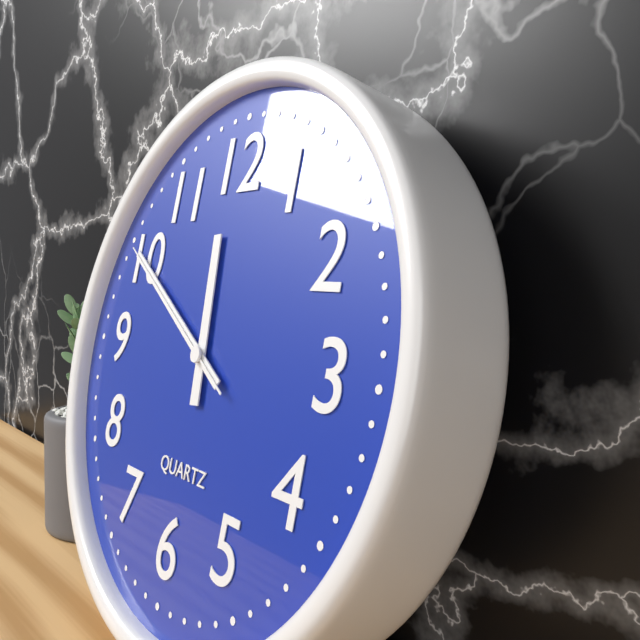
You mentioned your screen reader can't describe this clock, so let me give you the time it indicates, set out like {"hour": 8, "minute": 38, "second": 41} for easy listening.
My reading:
{"hour": 11, "minute": 50, "second": 50}
